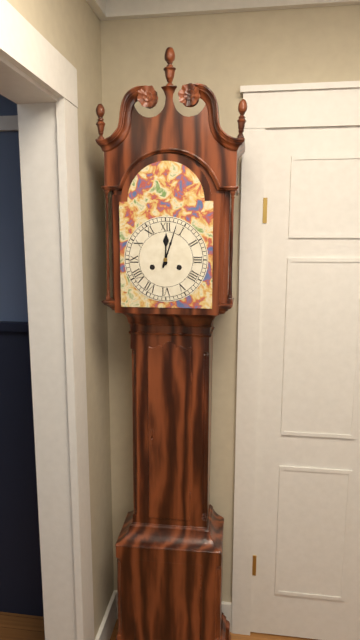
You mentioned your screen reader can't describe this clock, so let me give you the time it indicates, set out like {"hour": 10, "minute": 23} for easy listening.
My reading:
{"hour": 12, "minute": 3}
